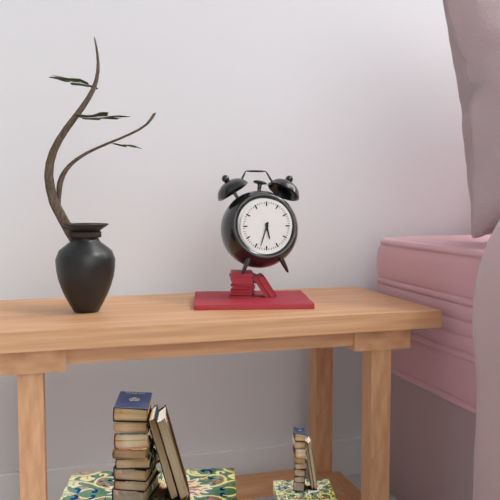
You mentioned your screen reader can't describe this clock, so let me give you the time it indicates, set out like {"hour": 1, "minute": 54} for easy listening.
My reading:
{"hour": 5, "minute": 33}
